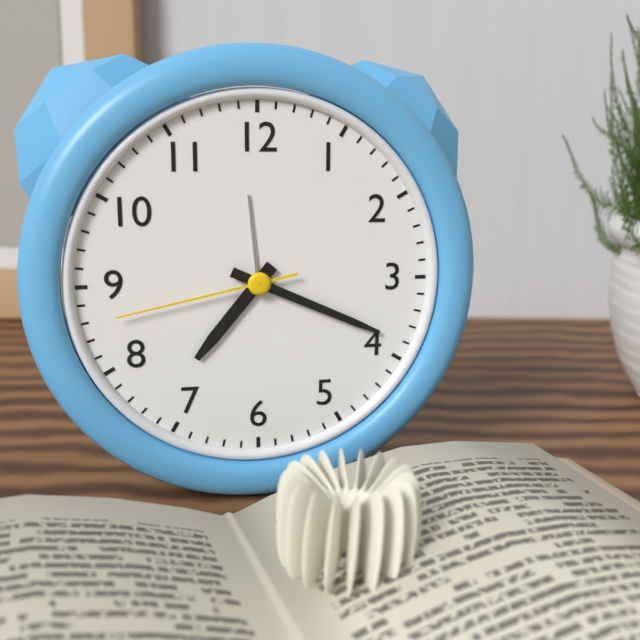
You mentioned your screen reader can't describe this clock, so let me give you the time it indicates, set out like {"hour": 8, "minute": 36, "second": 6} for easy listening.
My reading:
{"hour": 7, "minute": 19, "second": 43}
